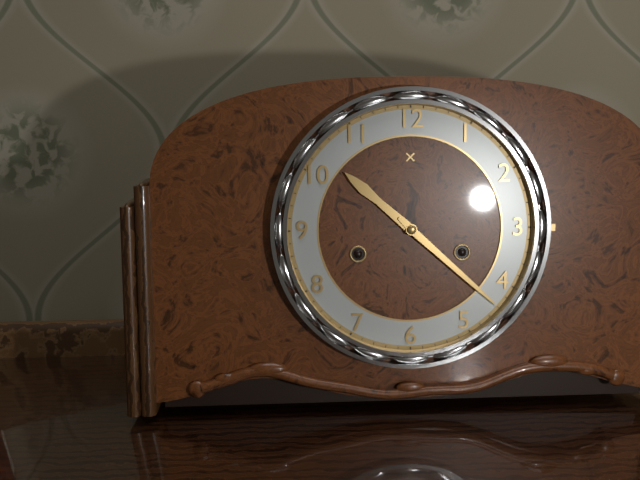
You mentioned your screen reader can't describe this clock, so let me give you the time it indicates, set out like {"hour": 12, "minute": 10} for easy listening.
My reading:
{"hour": 10, "minute": 22}
